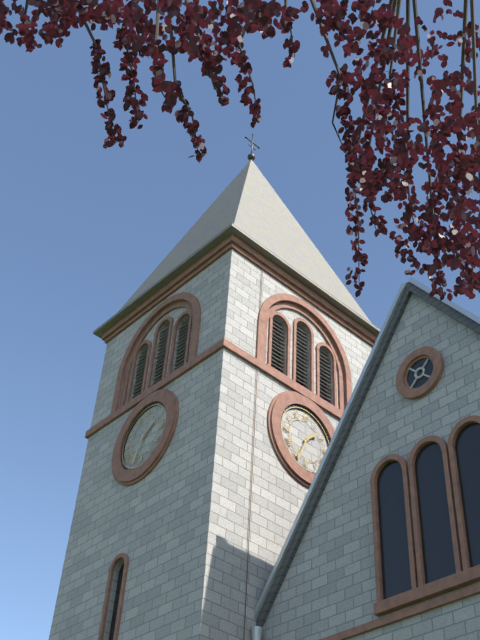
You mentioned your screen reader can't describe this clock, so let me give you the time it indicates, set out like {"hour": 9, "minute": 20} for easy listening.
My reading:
{"hour": 1, "minute": 34}
